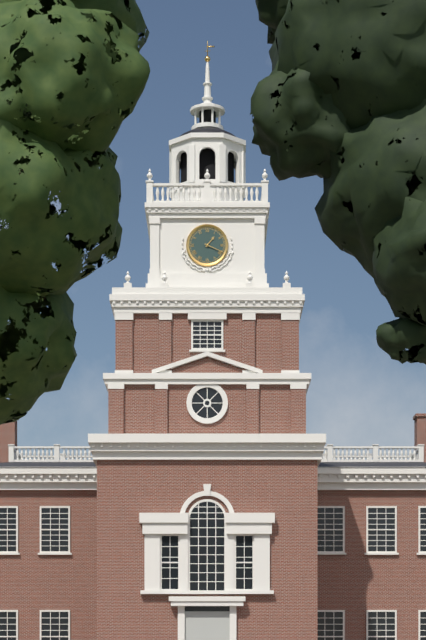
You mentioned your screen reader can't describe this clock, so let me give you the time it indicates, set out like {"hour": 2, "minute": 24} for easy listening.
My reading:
{"hour": 1, "minute": 19}
